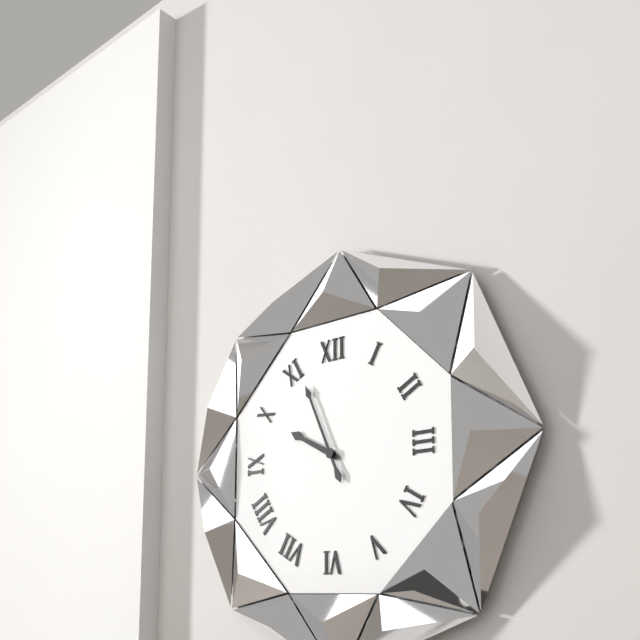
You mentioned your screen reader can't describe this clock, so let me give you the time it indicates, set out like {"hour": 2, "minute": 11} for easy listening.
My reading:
{"hour": 9, "minute": 56}
